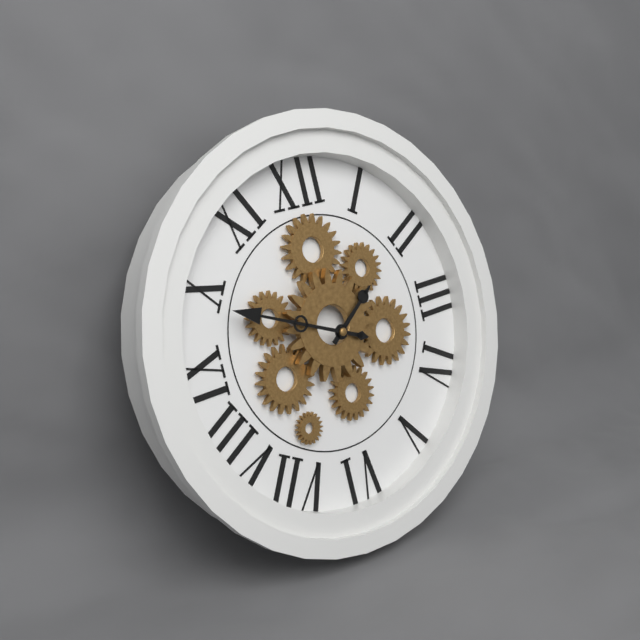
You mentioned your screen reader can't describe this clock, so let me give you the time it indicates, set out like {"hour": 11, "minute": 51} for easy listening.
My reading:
{"hour": 1, "minute": 49}
